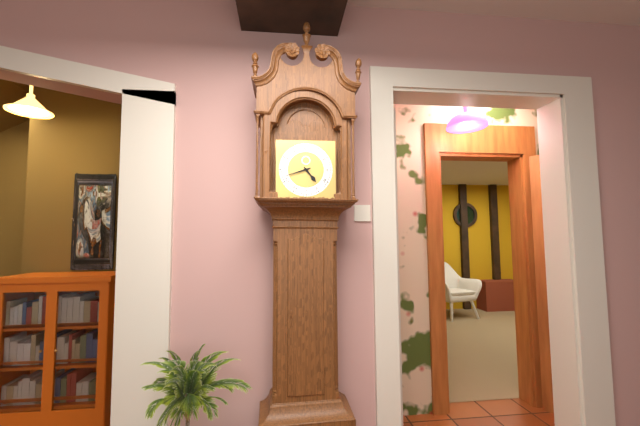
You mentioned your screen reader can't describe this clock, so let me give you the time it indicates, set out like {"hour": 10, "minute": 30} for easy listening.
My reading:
{"hour": 4, "minute": 42}
